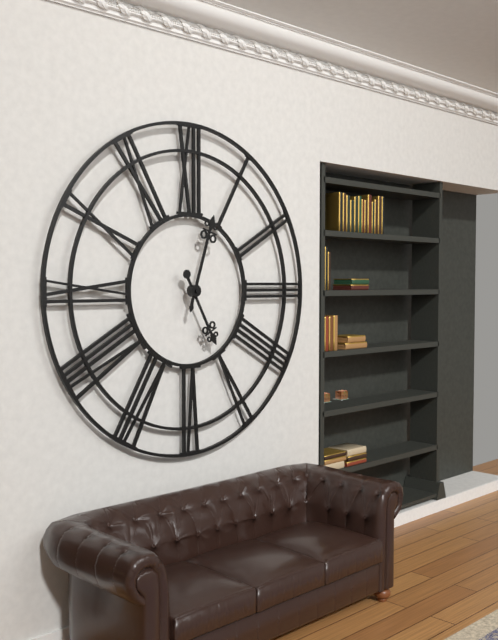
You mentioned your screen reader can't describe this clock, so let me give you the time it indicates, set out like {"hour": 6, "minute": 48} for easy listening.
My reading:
{"hour": 5, "minute": 3}
